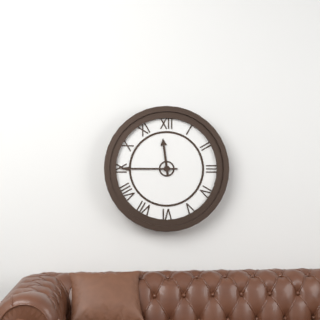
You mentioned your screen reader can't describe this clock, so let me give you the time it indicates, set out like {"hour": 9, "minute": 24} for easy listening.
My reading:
{"hour": 11, "minute": 45}
